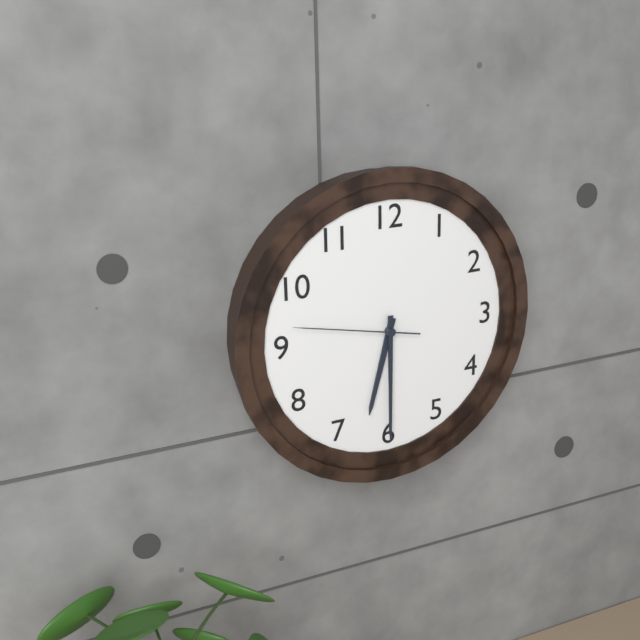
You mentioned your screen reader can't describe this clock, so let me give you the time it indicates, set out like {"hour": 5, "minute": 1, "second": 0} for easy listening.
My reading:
{"hour": 6, "minute": 30, "second": 47}
